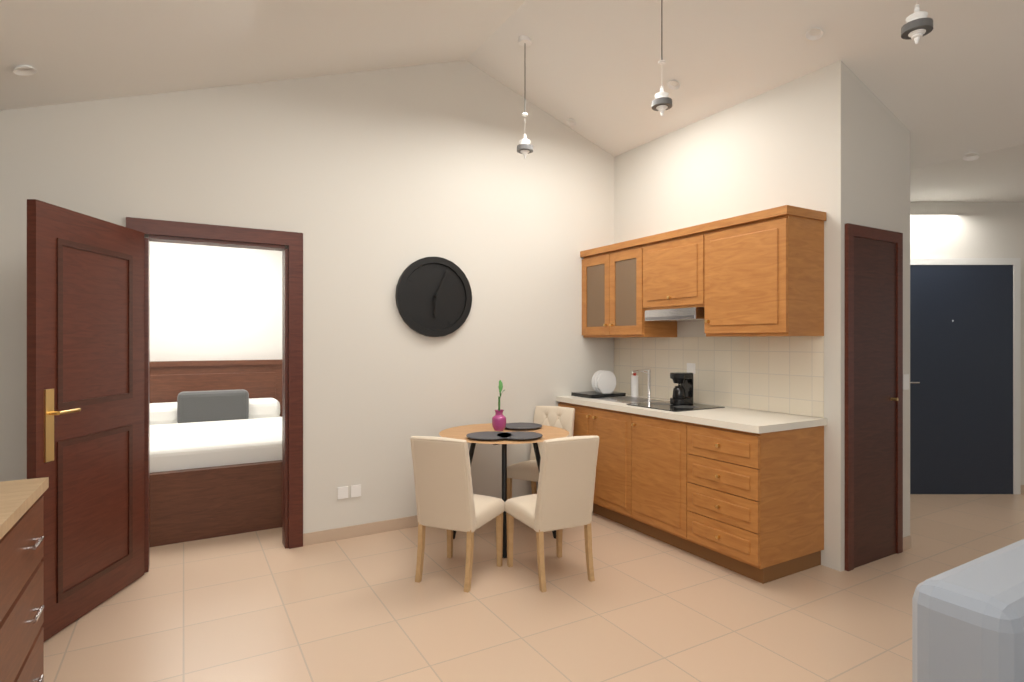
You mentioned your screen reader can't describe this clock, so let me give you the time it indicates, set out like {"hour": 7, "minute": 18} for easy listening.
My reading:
{"hour": 6, "minute": 4}
